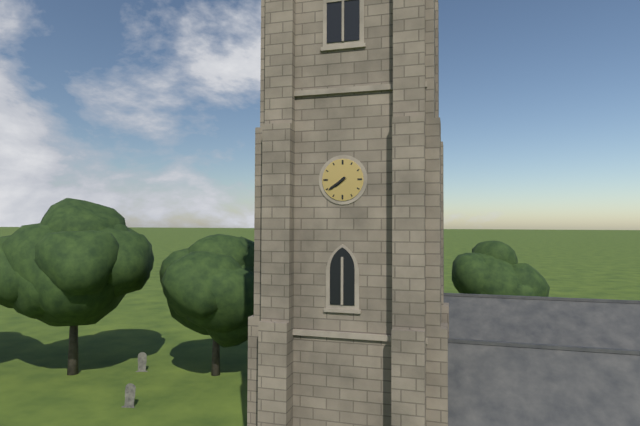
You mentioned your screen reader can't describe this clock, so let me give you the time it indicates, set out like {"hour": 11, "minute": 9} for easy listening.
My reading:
{"hour": 7, "minute": 39}
